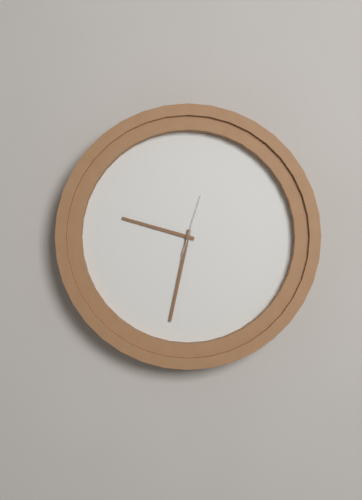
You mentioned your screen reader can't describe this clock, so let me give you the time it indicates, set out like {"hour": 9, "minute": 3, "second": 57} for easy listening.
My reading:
{"hour": 9, "minute": 32, "second": 3}
